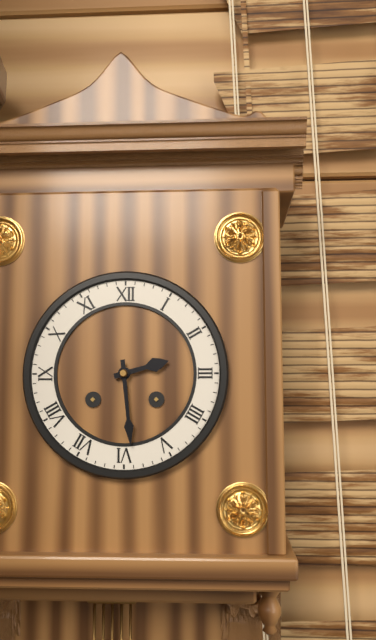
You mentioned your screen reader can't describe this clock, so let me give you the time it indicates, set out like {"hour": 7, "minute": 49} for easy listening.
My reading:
{"hour": 2, "minute": 29}
